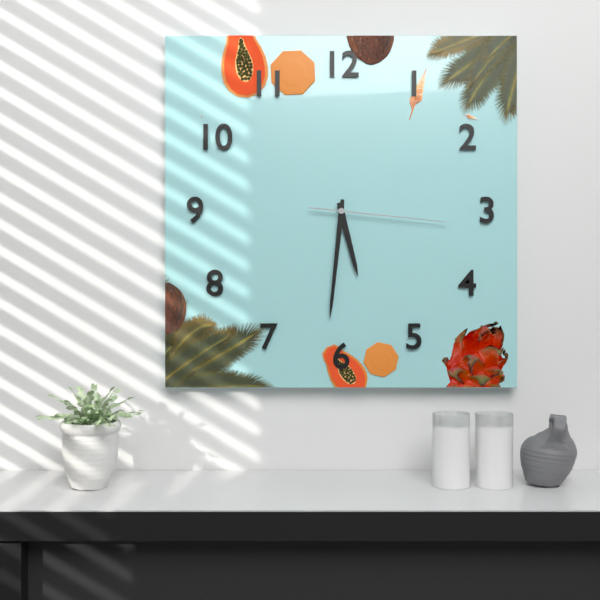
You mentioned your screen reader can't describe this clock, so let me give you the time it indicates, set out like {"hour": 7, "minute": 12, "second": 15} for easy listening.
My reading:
{"hour": 5, "minute": 31, "second": 16}
